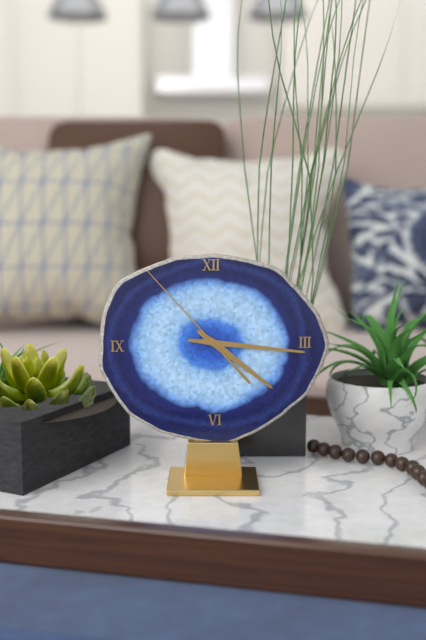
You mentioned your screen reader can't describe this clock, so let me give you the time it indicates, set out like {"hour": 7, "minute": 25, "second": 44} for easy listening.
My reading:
{"hour": 4, "minute": 16, "second": 53}
